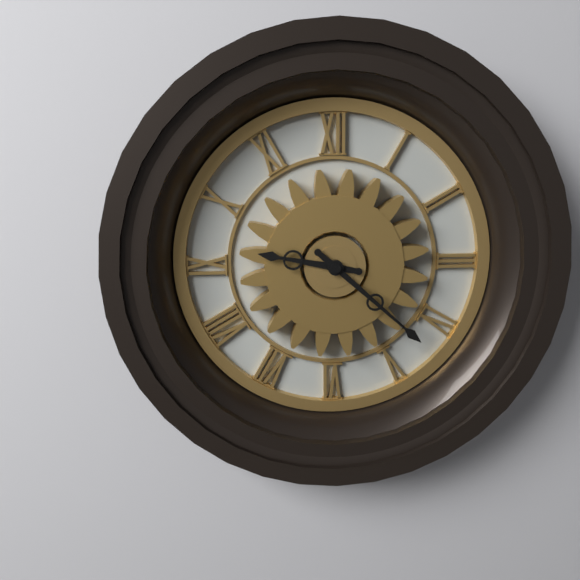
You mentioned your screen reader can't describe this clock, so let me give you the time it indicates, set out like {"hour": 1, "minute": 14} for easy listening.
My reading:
{"hour": 9, "minute": 22}
